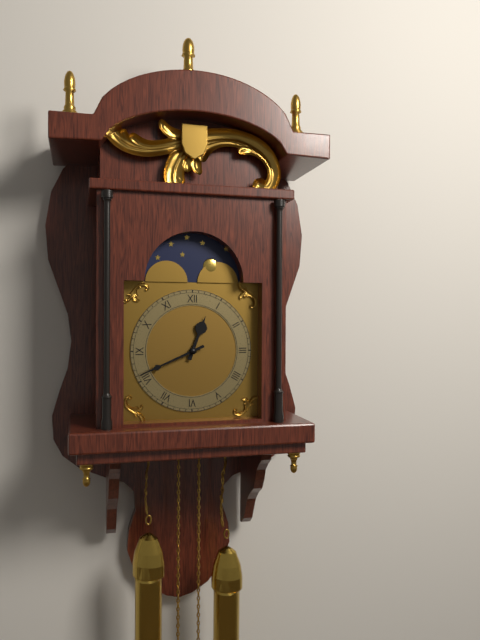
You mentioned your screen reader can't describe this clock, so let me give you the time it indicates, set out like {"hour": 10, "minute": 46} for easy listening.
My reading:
{"hour": 12, "minute": 41}
